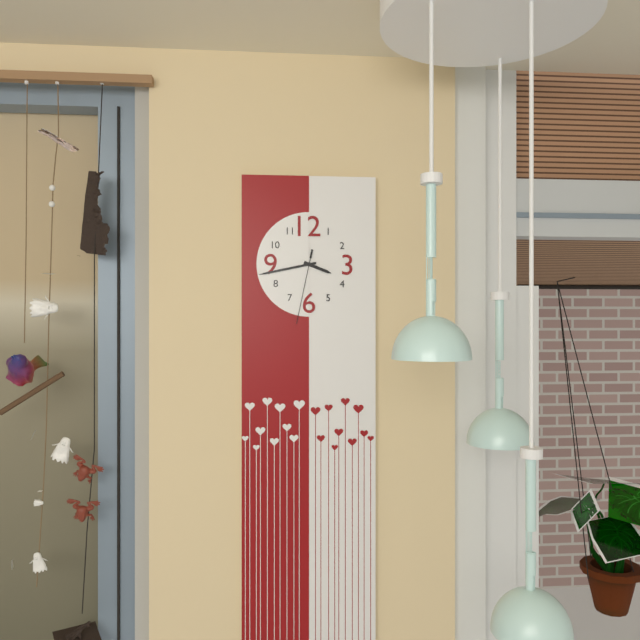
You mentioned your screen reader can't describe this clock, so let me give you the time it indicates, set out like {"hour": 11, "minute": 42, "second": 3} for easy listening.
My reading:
{"hour": 3, "minute": 43, "second": 32}
